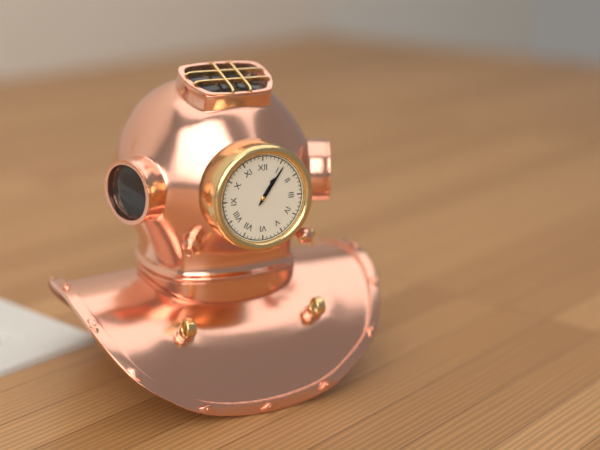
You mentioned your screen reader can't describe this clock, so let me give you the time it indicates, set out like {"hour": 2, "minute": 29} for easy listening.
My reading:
{"hour": 1, "minute": 6}
